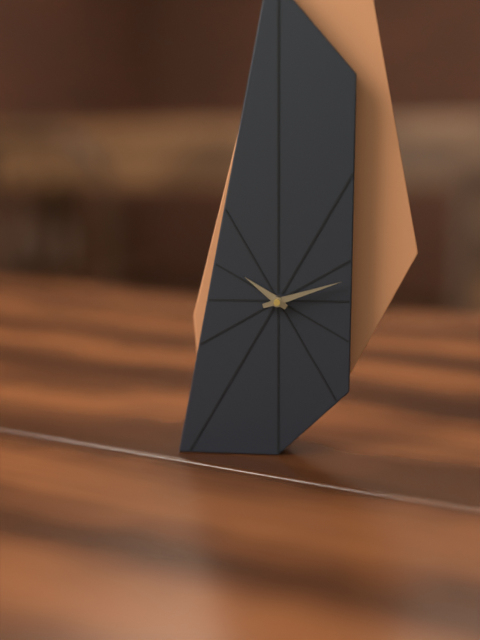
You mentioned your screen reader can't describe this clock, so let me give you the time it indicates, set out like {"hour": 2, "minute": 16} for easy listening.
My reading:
{"hour": 10, "minute": 12}
